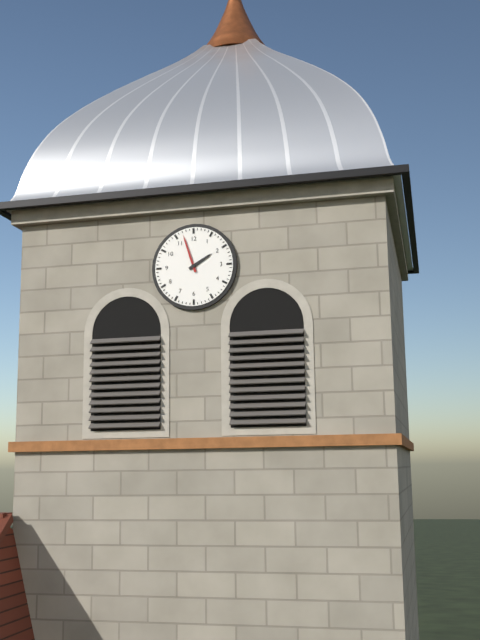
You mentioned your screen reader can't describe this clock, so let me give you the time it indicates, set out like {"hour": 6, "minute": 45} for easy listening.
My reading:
{"hour": 1, "minute": 57}
